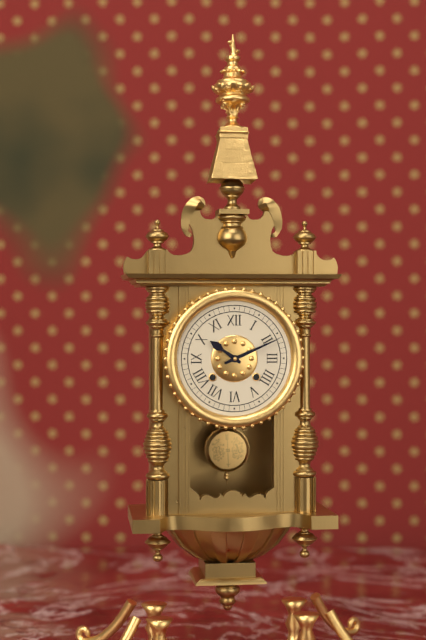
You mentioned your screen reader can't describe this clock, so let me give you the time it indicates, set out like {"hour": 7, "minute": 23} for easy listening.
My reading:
{"hour": 10, "minute": 11}
